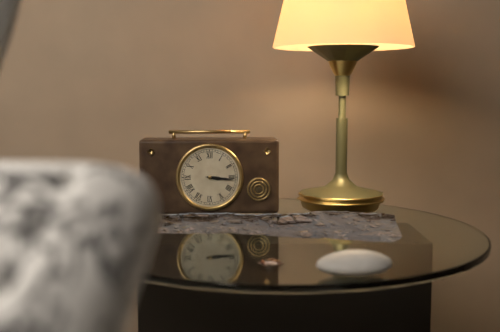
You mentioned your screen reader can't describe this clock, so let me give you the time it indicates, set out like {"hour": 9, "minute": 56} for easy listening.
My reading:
{"hour": 3, "minute": 16}
